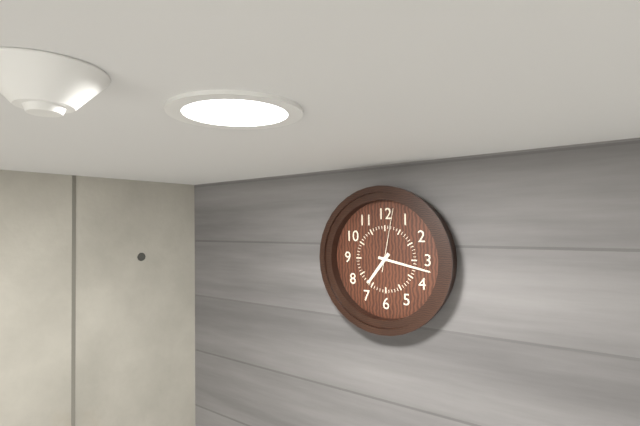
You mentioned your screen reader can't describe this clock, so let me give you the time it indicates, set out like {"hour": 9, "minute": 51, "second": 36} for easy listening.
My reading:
{"hour": 7, "minute": 17, "second": 2}
